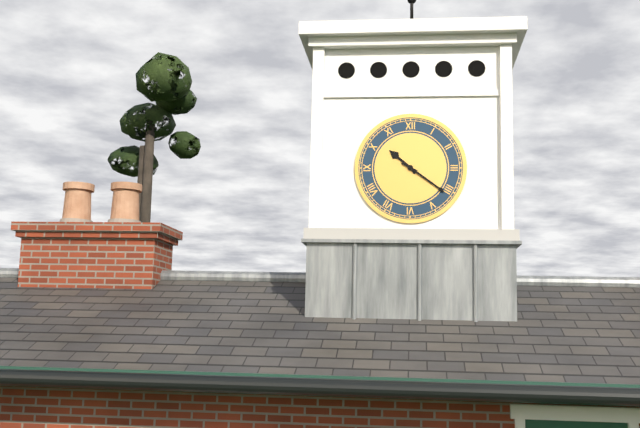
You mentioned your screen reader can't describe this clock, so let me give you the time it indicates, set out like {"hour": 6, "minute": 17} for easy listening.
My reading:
{"hour": 10, "minute": 21}
